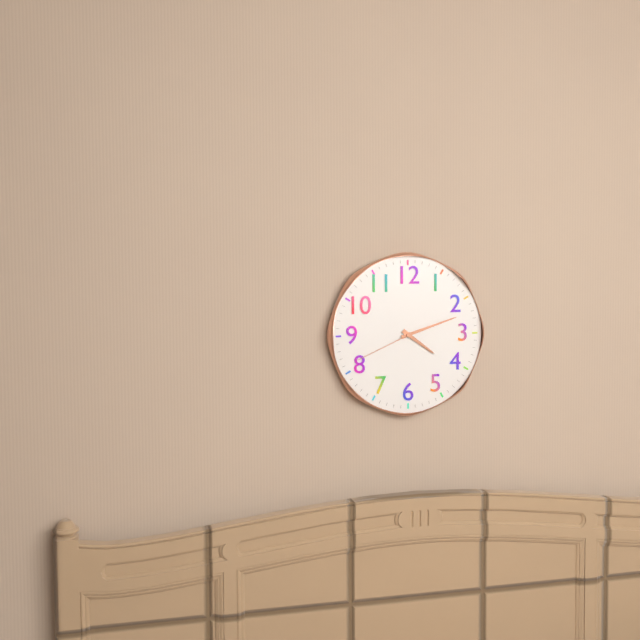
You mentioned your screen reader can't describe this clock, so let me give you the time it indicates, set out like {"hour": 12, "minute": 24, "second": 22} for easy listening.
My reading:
{"hour": 4, "minute": 12, "second": 41}
